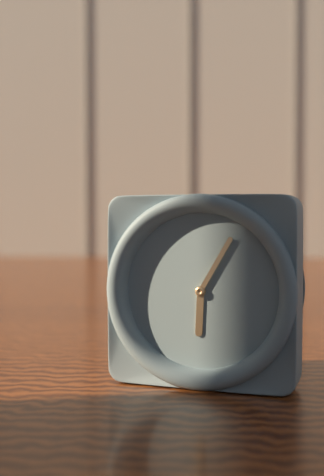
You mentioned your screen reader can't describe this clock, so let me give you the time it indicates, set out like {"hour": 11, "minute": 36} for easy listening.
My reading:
{"hour": 6, "minute": 5}
